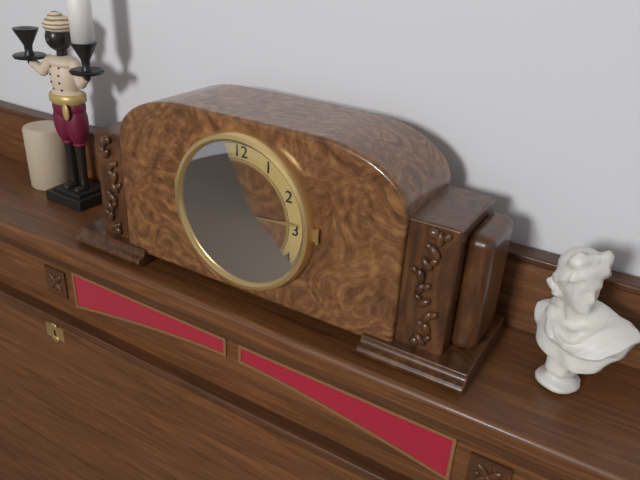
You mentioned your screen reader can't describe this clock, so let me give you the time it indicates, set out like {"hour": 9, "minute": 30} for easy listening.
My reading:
{"hour": 7, "minute": 14}
